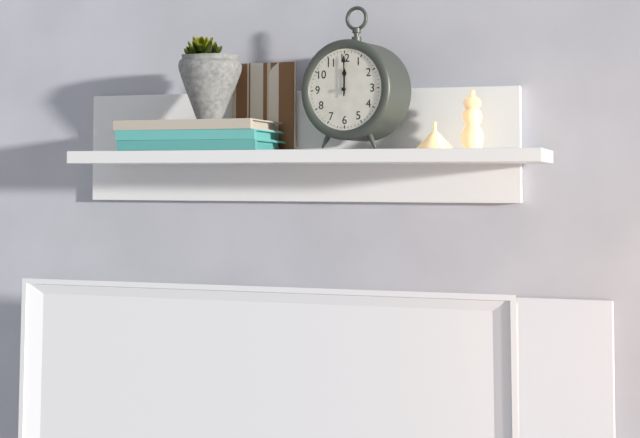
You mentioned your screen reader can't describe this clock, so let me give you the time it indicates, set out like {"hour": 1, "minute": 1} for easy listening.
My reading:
{"hour": 12, "minute": 0}
